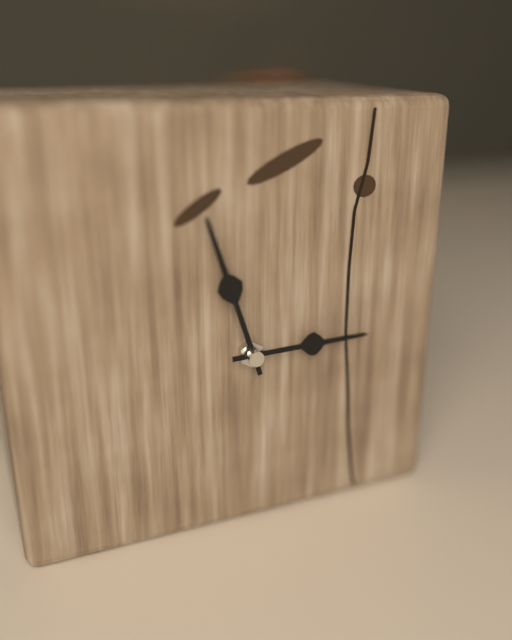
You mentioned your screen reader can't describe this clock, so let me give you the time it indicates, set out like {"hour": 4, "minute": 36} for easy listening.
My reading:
{"hour": 2, "minute": 57}
